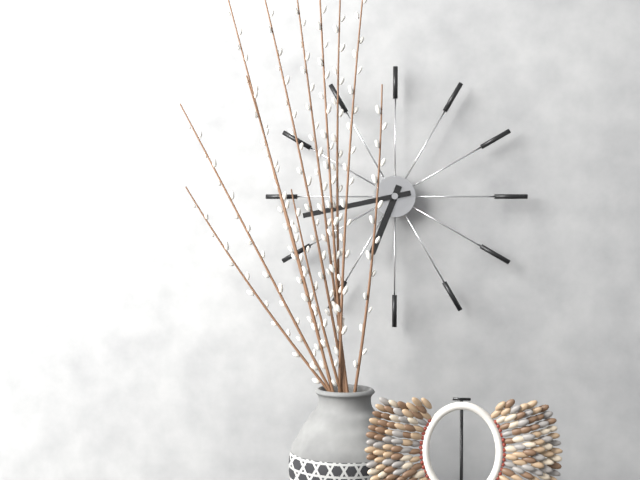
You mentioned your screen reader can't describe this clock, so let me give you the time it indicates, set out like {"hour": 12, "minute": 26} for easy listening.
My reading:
{"hour": 6, "minute": 43}
